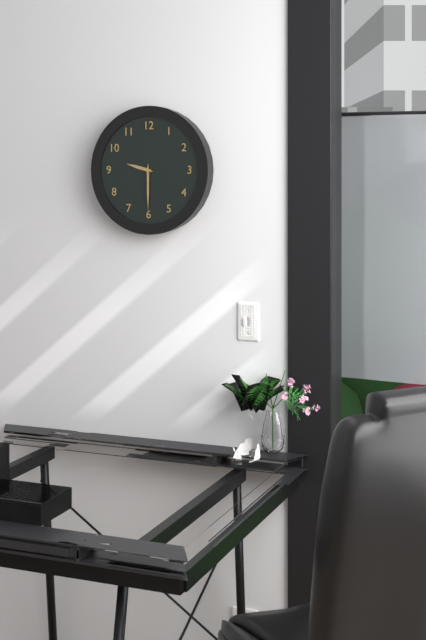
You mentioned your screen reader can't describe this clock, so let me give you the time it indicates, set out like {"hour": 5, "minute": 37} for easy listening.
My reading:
{"hour": 9, "minute": 30}
